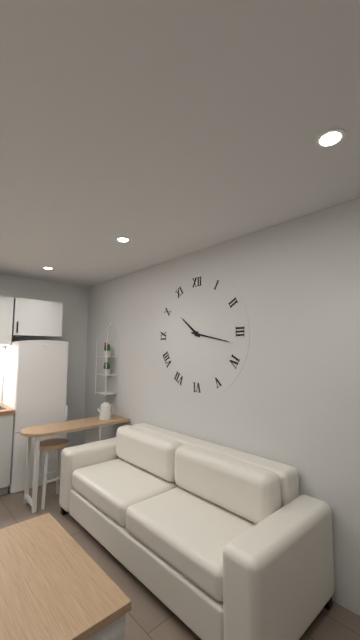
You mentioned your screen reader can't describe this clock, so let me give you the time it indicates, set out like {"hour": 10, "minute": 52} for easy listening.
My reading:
{"hour": 10, "minute": 17}
